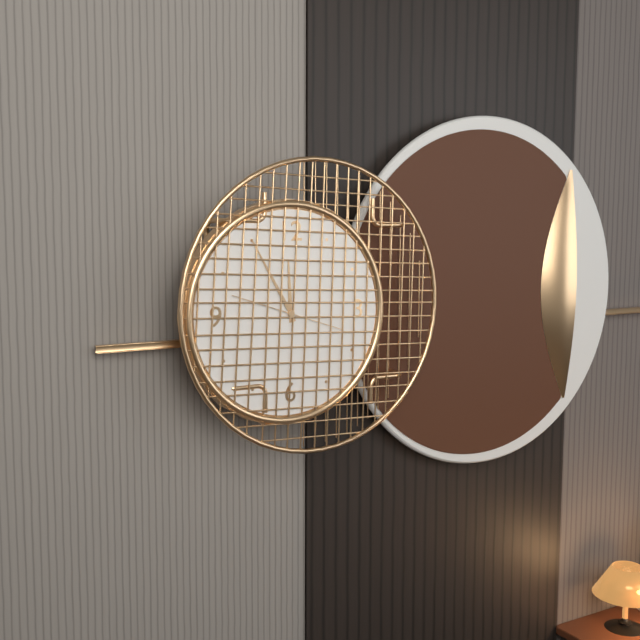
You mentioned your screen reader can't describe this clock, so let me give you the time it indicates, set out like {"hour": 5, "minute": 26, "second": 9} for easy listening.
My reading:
{"hour": 11, "minute": 55, "second": 48}
